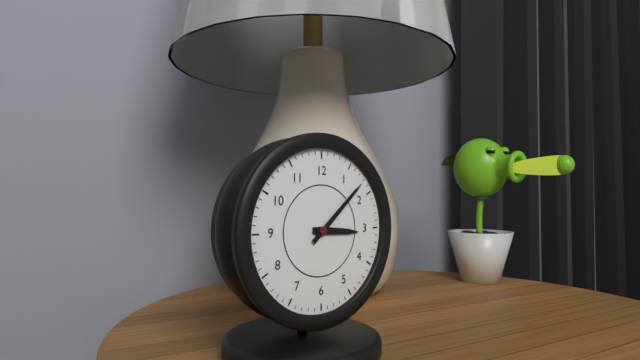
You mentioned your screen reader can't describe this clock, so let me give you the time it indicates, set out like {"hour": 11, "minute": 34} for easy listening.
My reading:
{"hour": 3, "minute": 8}
